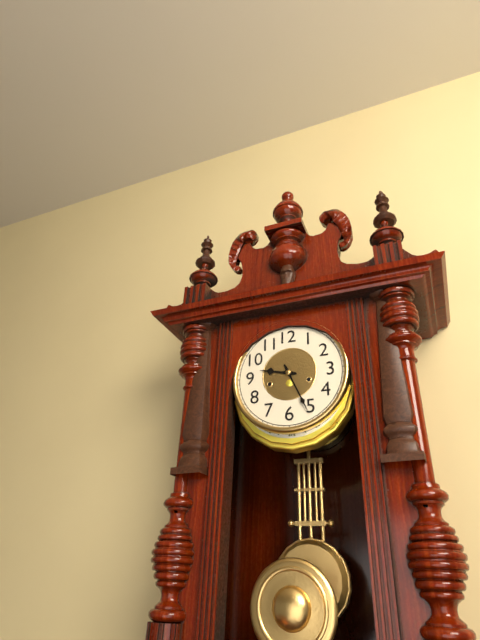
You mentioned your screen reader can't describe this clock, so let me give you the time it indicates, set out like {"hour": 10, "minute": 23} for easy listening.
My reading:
{"hour": 9, "minute": 26}
